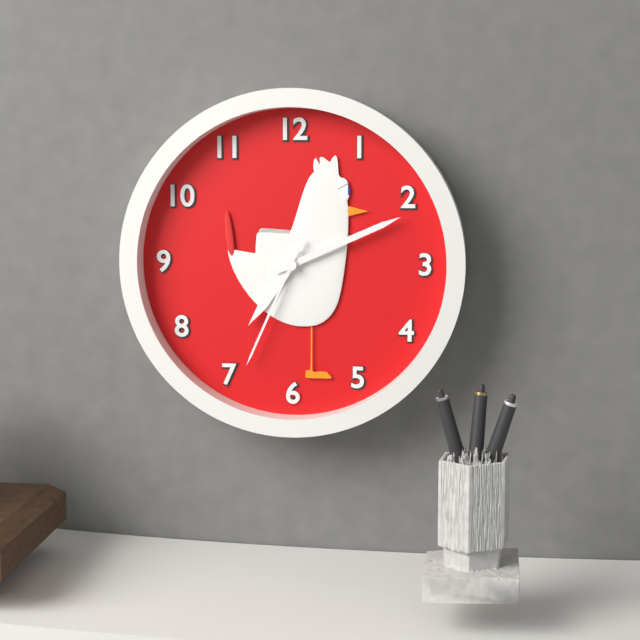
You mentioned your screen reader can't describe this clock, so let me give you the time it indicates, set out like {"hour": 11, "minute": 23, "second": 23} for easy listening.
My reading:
{"hour": 7, "minute": 11, "second": 34}
